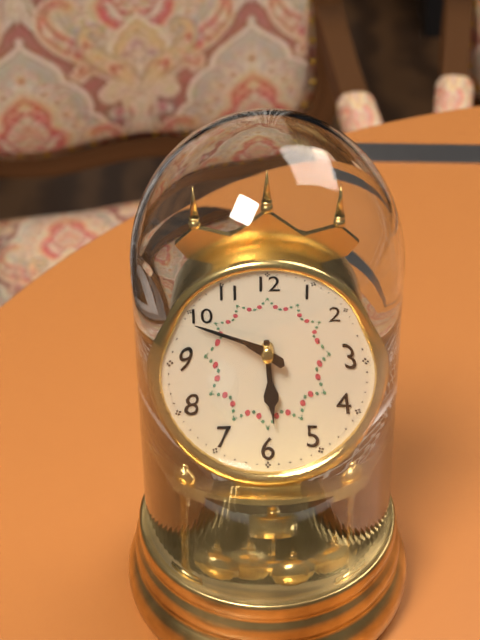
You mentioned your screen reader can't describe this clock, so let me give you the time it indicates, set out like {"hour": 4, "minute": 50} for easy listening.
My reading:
{"hour": 5, "minute": 49}
